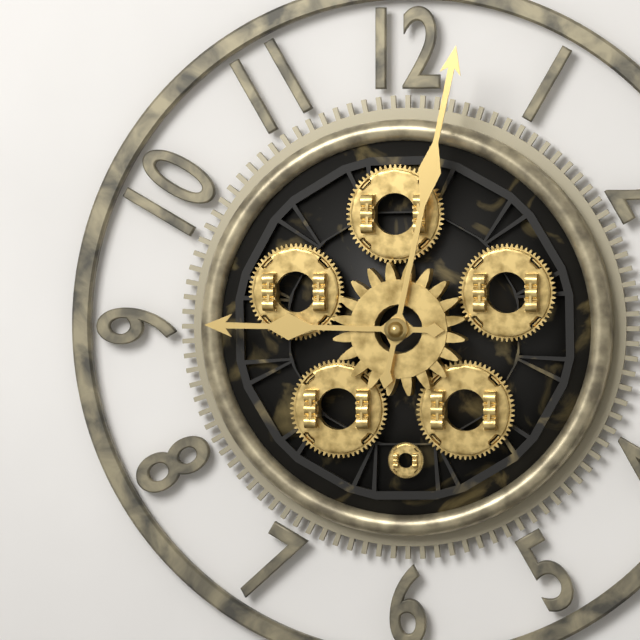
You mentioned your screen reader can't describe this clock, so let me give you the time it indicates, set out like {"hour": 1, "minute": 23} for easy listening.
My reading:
{"hour": 9, "minute": 2}
